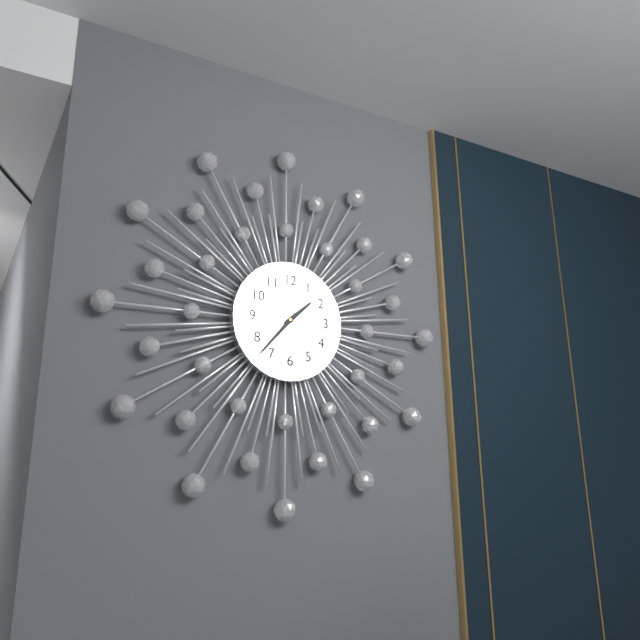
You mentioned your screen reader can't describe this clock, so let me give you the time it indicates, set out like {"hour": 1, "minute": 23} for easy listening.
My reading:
{"hour": 1, "minute": 37}
